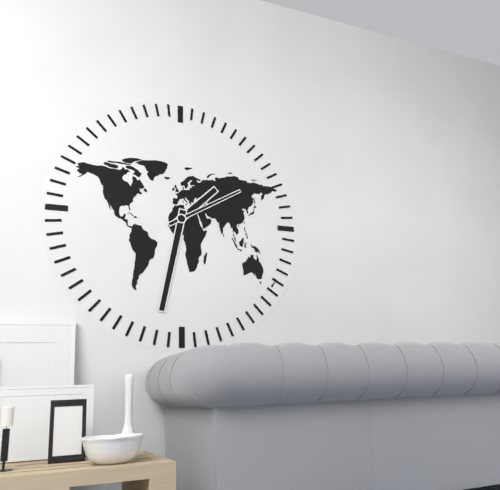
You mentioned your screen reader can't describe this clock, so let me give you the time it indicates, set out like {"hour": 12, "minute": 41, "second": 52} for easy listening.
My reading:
{"hour": 1, "minute": 32, "second": 10}
